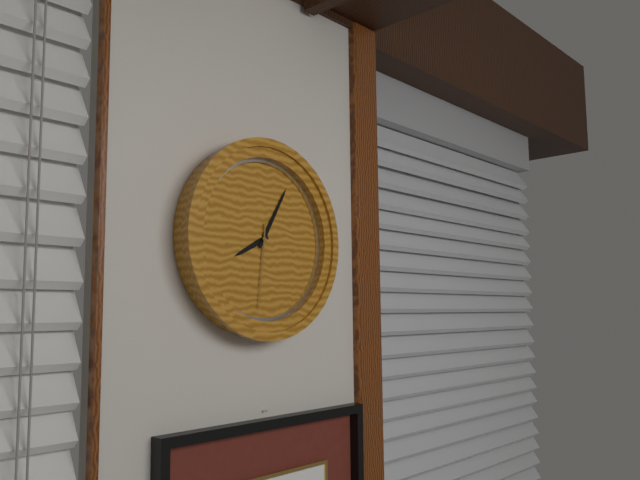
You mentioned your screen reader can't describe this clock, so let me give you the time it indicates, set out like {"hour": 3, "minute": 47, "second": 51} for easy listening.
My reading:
{"hour": 8, "minute": 5, "second": 31}
